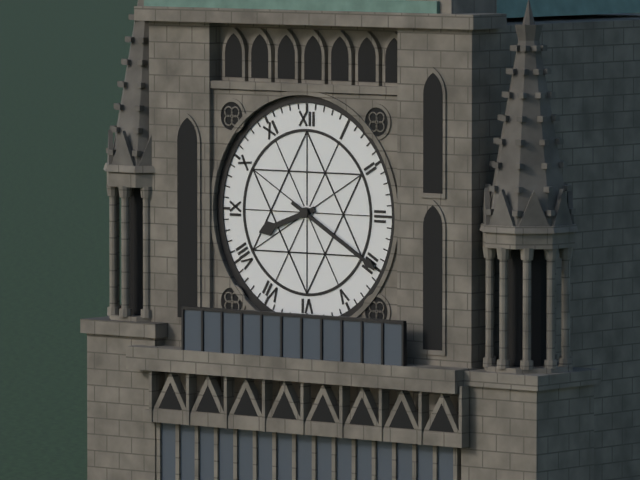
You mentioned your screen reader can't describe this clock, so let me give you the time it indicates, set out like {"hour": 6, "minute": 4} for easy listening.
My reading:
{"hour": 8, "minute": 20}
